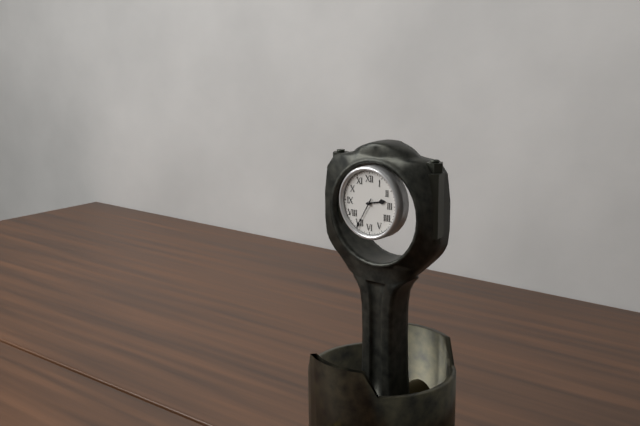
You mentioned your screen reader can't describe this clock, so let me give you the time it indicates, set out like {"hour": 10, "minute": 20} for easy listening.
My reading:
{"hour": 2, "minute": 35}
